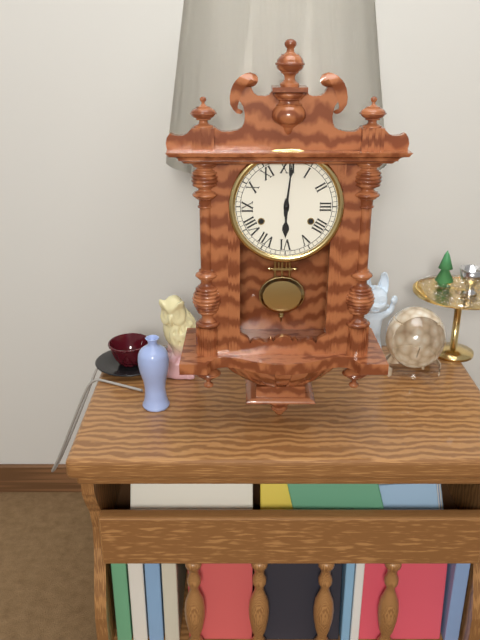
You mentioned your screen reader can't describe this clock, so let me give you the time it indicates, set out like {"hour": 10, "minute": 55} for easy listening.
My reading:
{"hour": 6, "minute": 1}
